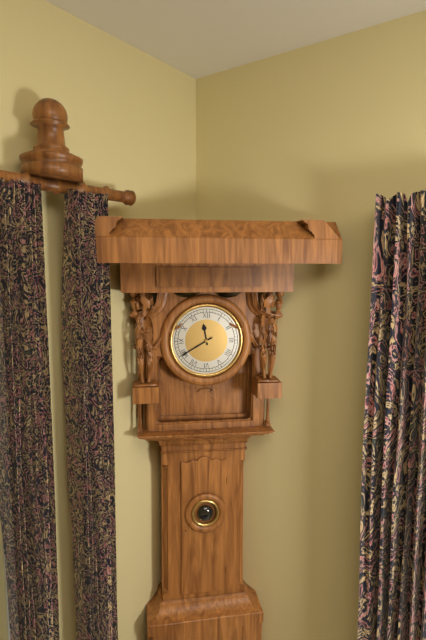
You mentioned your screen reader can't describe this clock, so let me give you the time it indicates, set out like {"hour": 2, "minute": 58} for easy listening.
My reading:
{"hour": 11, "minute": 40}
